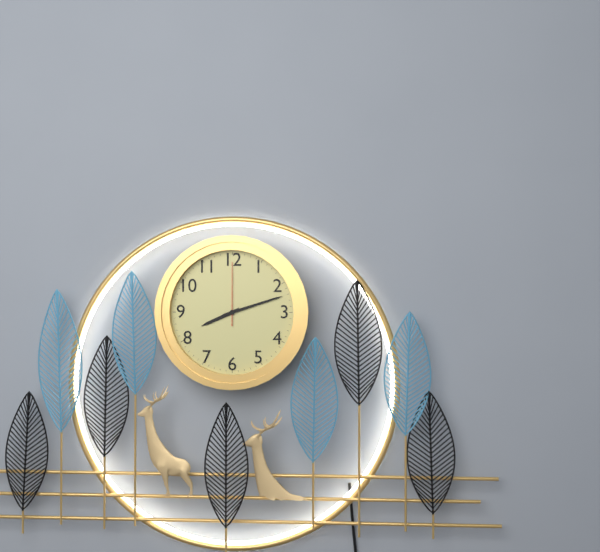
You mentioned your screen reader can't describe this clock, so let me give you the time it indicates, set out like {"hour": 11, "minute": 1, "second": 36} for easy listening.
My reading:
{"hour": 8, "minute": 12, "second": 0}
